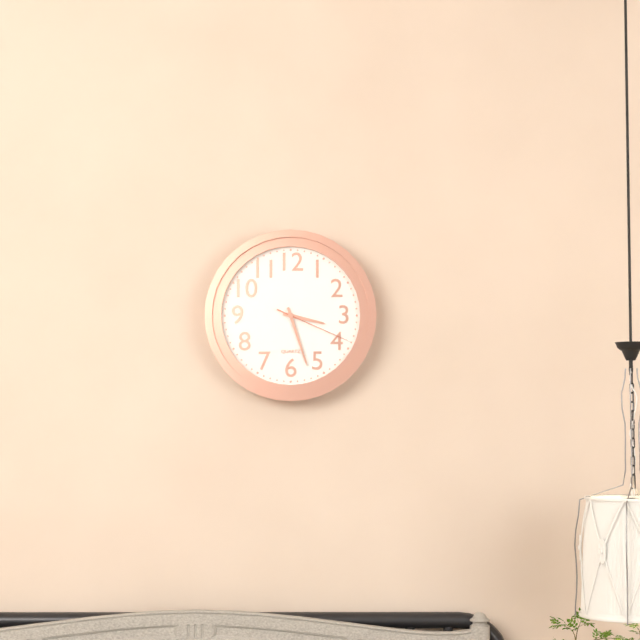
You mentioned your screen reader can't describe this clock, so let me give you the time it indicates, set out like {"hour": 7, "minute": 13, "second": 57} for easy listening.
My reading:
{"hour": 3, "minute": 27, "second": 19}
